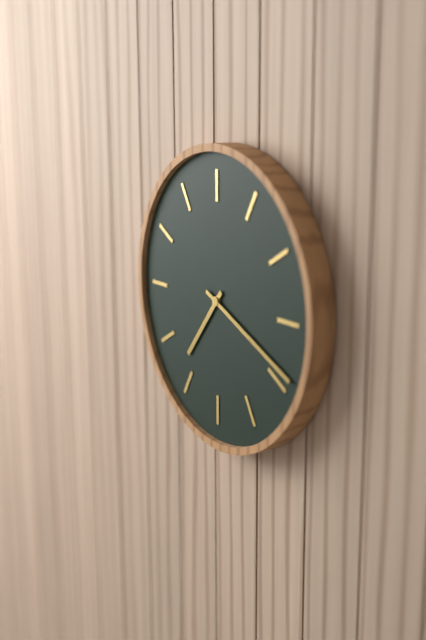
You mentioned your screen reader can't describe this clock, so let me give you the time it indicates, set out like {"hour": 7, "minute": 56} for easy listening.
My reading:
{"hour": 7, "minute": 19}
